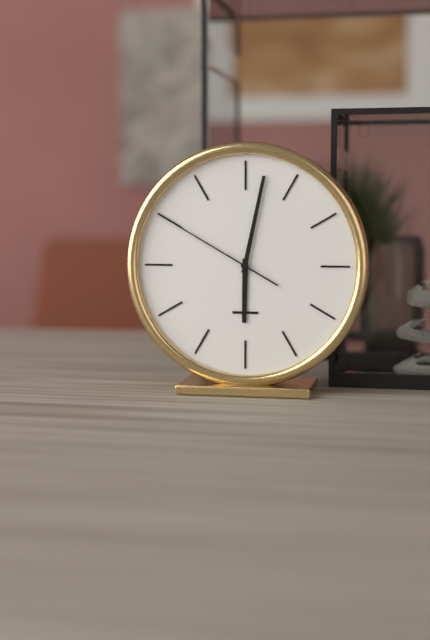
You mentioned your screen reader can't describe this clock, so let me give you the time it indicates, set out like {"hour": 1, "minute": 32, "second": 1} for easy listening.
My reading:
{"hour": 6, "minute": 2, "second": 50}
